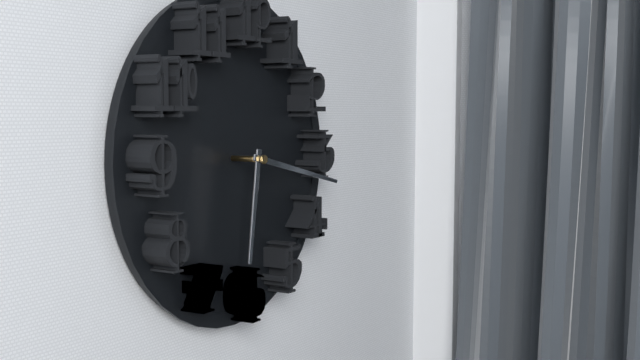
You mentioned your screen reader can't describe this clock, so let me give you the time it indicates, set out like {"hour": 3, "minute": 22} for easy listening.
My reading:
{"hour": 6, "minute": 17}
